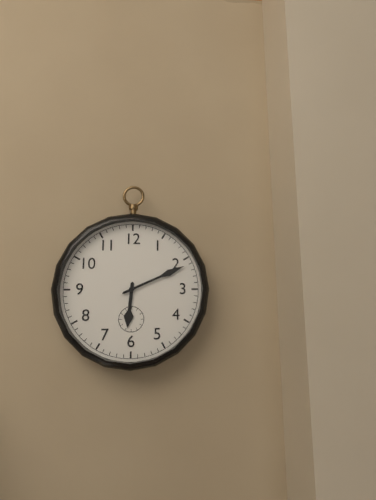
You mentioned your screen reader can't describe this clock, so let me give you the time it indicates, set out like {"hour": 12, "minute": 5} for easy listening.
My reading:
{"hour": 6, "minute": 11}
